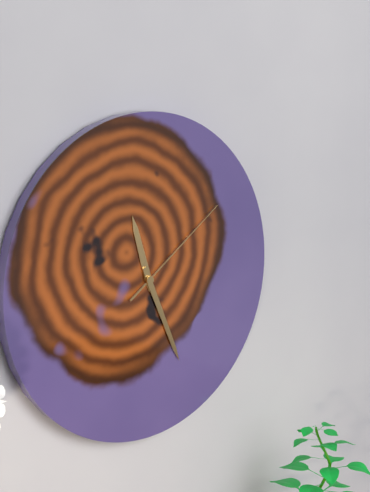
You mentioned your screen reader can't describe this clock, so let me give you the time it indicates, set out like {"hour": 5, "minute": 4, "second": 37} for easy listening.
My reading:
{"hour": 11, "minute": 26, "second": 9}
